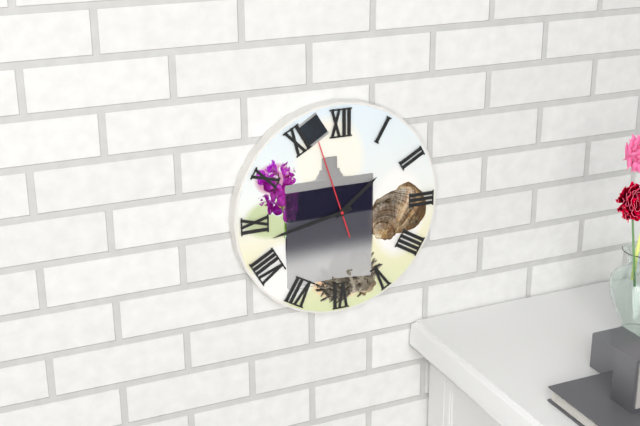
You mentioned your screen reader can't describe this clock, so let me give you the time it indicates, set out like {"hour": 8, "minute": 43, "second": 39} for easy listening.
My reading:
{"hour": 1, "minute": 43, "second": 57}
